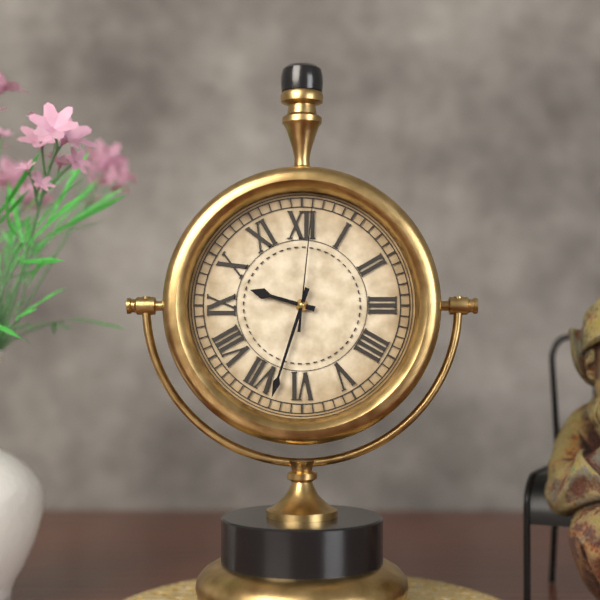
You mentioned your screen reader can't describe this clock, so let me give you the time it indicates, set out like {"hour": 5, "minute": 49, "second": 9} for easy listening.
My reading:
{"hour": 9, "minute": 33, "second": 1}
